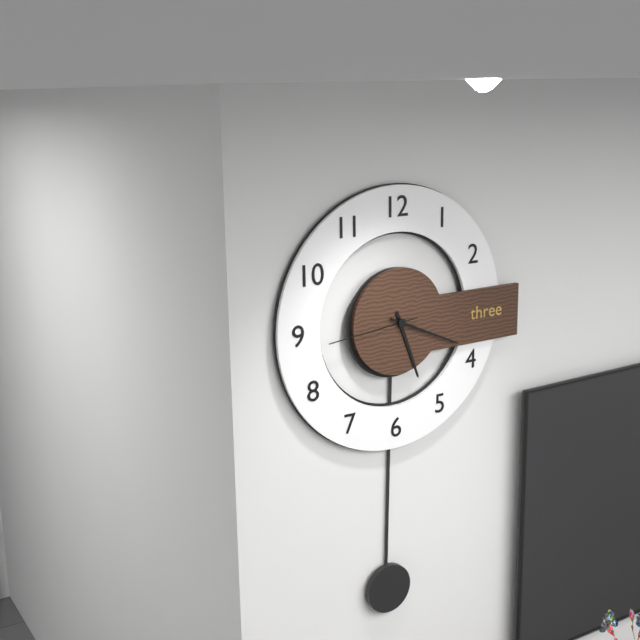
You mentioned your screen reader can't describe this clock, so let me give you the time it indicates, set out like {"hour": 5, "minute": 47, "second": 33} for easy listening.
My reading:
{"hour": 5, "minute": 19, "second": 44}
